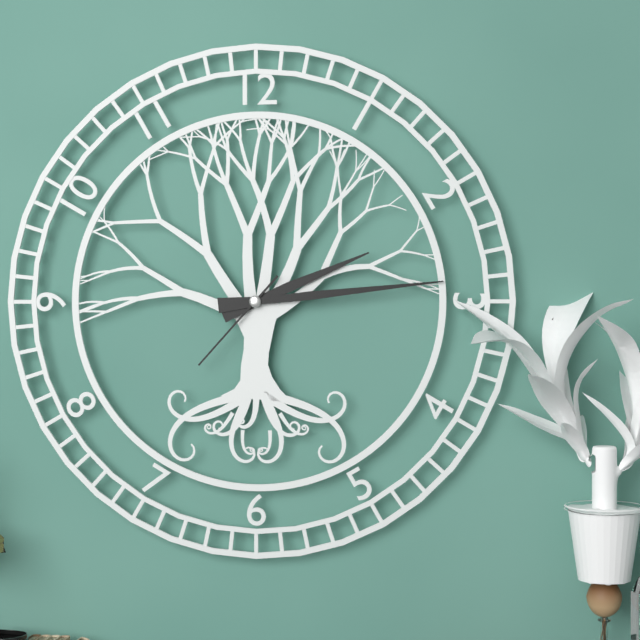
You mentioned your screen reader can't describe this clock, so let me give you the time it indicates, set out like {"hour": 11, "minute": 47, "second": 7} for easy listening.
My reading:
{"hour": 2, "minute": 14, "second": 37}
